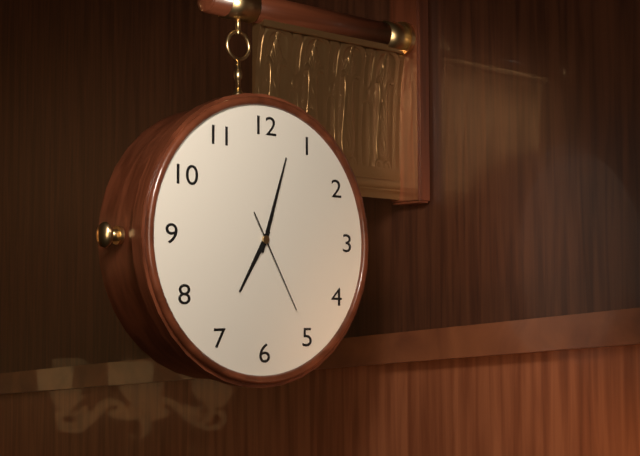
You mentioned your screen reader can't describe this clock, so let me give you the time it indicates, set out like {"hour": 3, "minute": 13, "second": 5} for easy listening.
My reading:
{"hour": 7, "minute": 3, "second": 25}
